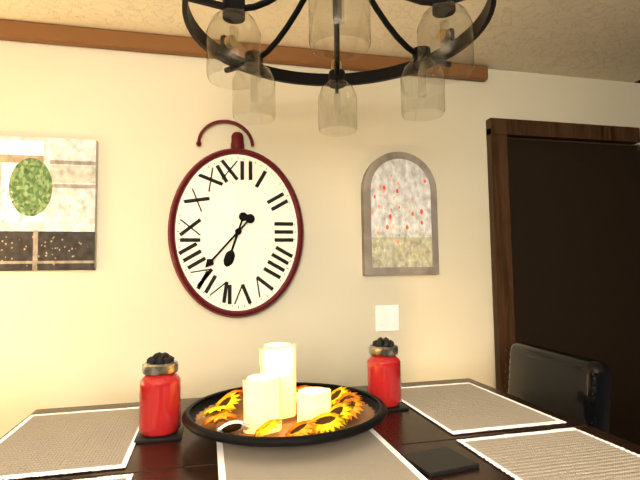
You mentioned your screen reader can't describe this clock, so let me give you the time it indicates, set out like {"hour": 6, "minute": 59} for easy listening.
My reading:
{"hour": 6, "minute": 37}
